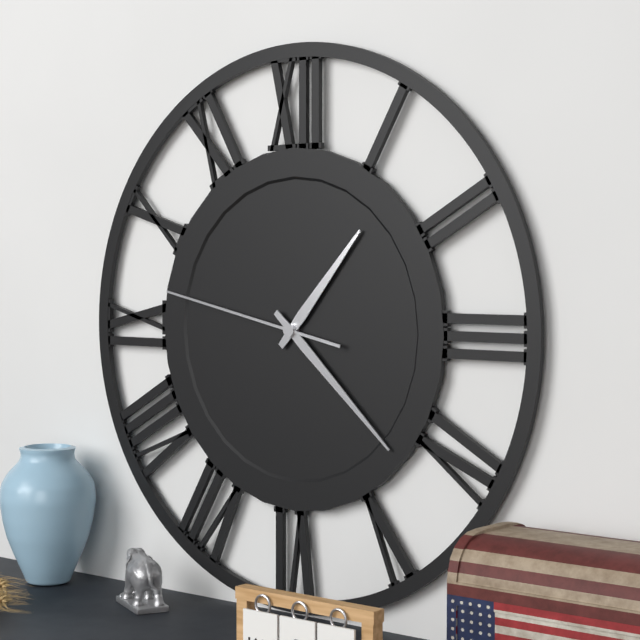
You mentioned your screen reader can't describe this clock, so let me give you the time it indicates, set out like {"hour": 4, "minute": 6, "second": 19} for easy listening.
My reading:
{"hour": 1, "minute": 22, "second": 47}
